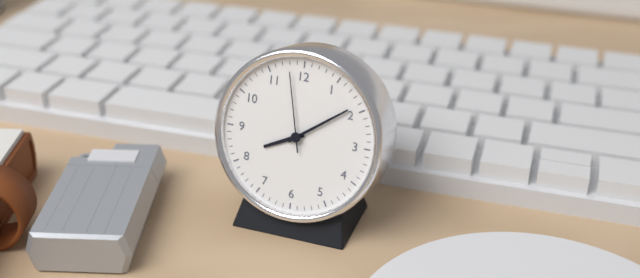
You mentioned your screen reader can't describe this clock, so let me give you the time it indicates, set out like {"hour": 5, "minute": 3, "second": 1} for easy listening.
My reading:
{"hour": 8, "minute": 9, "second": 58}
